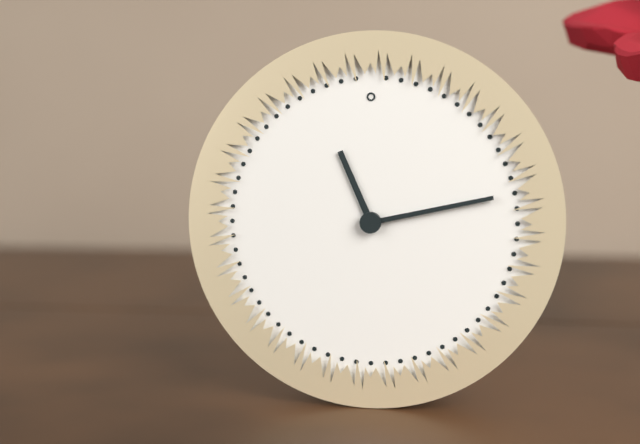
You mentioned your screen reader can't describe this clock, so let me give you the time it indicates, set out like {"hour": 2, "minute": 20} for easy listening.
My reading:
{"hour": 11, "minute": 13}
